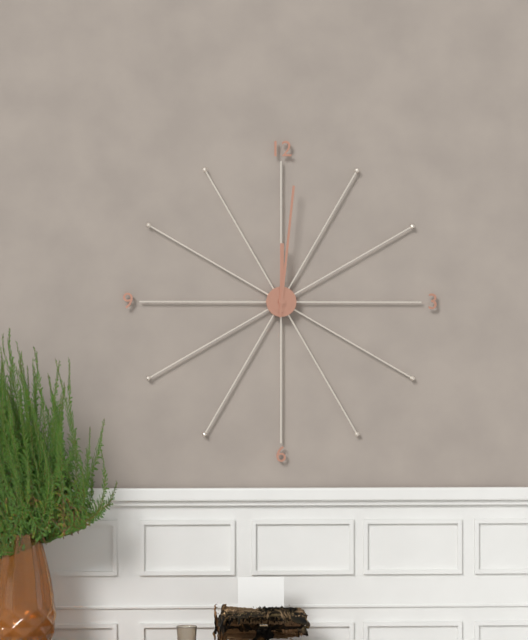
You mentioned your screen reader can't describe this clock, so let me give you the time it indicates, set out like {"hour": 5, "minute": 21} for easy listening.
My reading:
{"hour": 12, "minute": 1}
